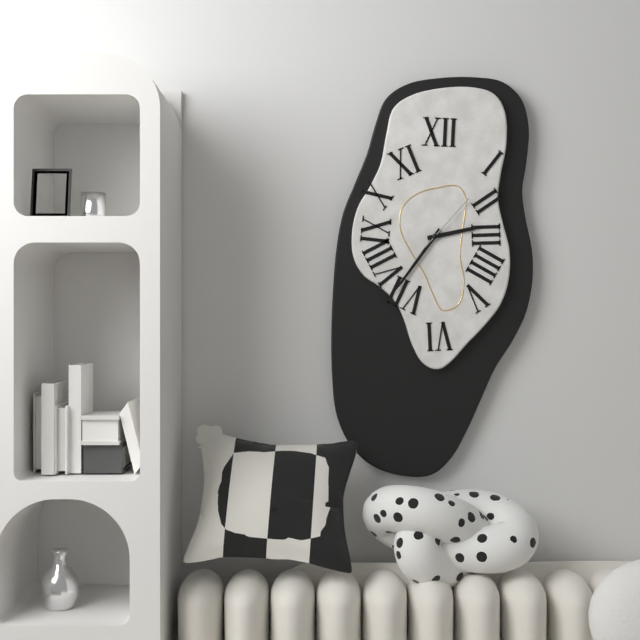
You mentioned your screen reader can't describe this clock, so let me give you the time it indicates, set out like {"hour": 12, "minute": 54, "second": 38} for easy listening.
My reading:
{"hour": 2, "minute": 36, "second": 7}
